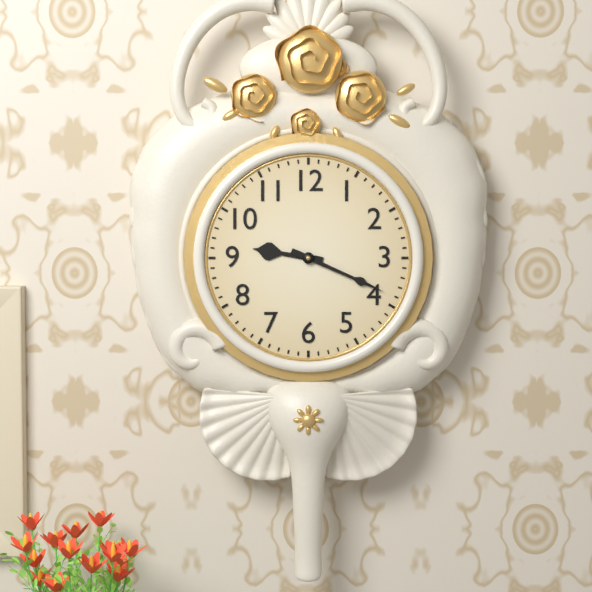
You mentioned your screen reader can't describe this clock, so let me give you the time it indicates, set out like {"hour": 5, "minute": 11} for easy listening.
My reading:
{"hour": 9, "minute": 19}
